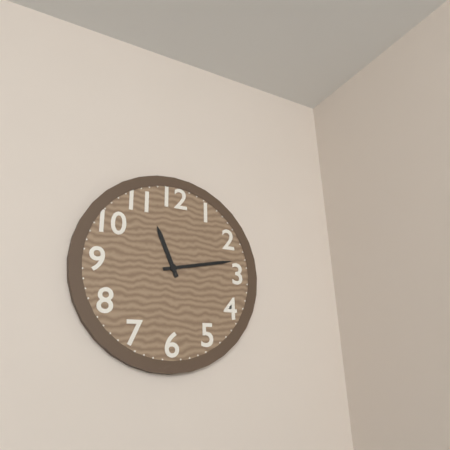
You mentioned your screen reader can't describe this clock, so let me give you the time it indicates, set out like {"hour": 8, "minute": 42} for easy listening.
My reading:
{"hour": 11, "minute": 13}
